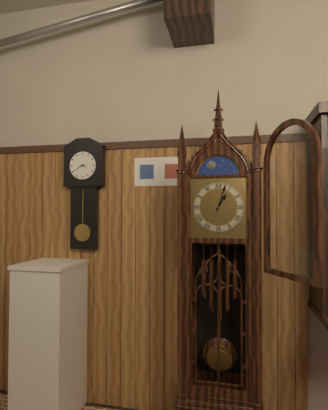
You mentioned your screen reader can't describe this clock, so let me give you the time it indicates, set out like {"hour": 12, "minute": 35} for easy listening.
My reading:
{"hour": 1, "minute": 3}
